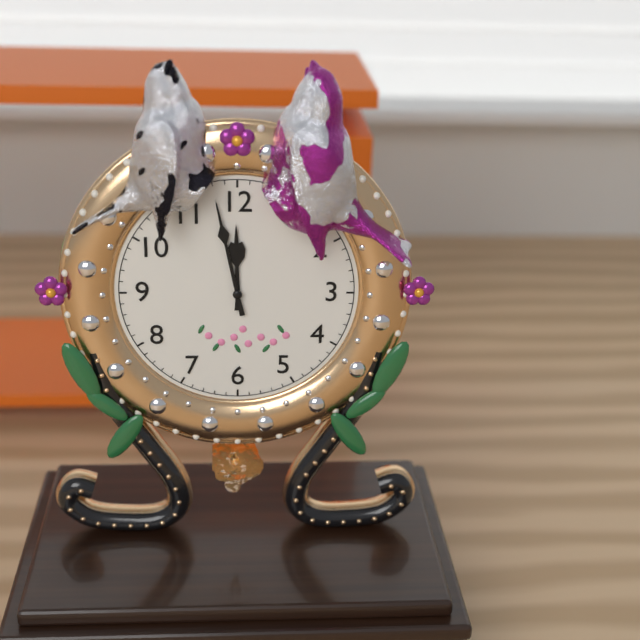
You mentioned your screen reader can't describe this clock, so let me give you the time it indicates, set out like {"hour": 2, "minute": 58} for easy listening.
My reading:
{"hour": 11, "minute": 58}
